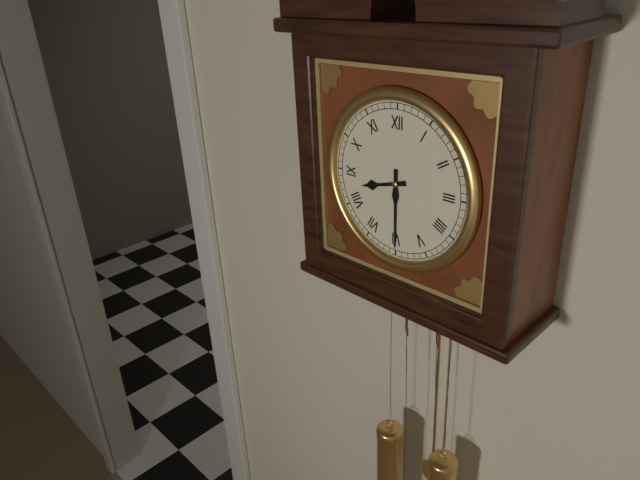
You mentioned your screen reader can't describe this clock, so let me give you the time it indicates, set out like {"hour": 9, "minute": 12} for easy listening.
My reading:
{"hour": 8, "minute": 30}
